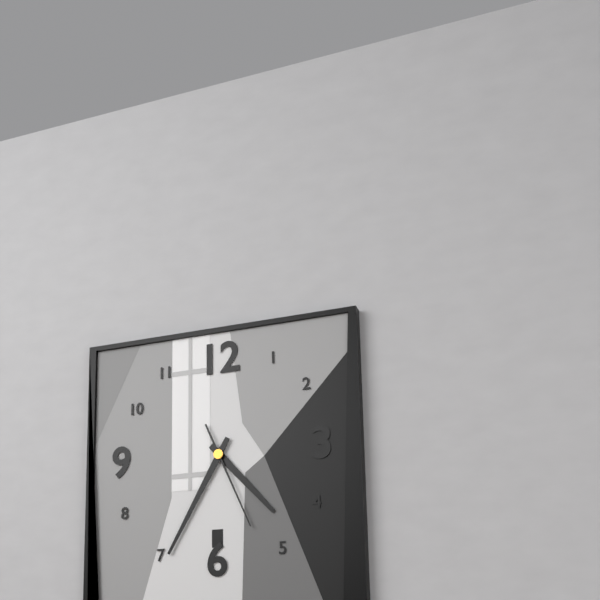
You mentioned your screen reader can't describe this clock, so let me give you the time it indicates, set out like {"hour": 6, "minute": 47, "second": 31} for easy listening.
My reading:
{"hour": 4, "minute": 35, "second": 26}
